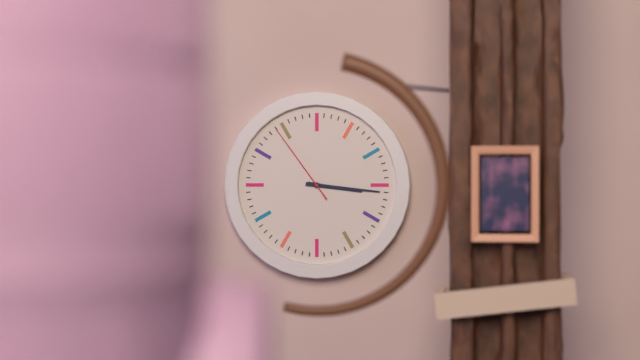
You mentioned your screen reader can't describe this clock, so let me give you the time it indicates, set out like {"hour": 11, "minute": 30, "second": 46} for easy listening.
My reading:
{"hour": 3, "minute": 16, "second": 54}
